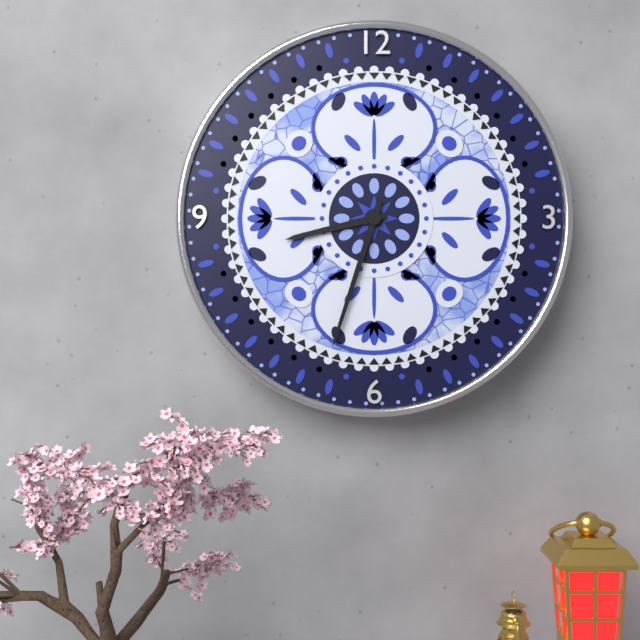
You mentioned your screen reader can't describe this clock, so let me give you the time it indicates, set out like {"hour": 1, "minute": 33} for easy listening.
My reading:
{"hour": 8, "minute": 33}
